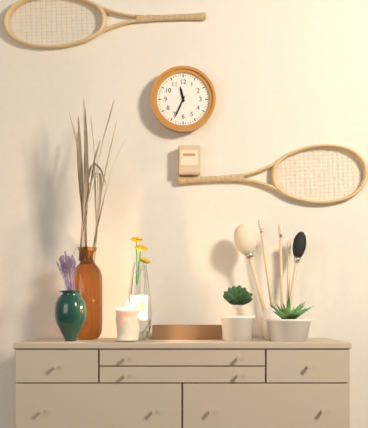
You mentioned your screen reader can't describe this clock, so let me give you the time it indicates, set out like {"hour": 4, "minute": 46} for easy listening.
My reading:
{"hour": 11, "minute": 34}
